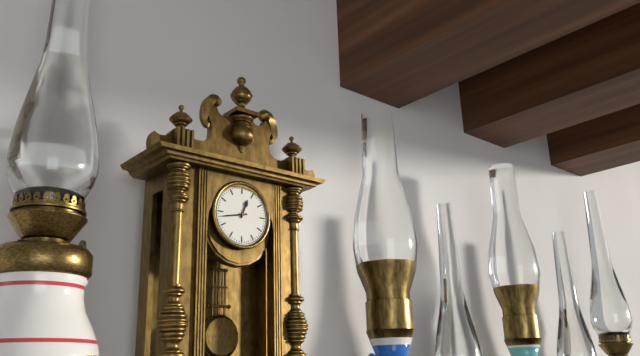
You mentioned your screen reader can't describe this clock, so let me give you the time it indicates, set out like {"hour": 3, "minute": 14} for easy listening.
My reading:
{"hour": 12, "minute": 43}
